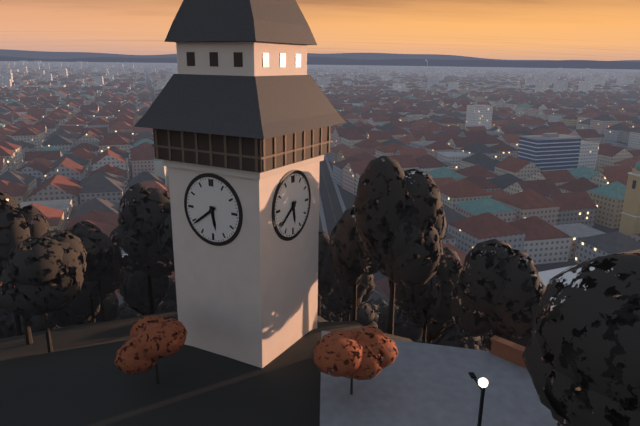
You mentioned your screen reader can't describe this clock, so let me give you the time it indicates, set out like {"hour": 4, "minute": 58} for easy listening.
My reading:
{"hour": 5, "minute": 39}
